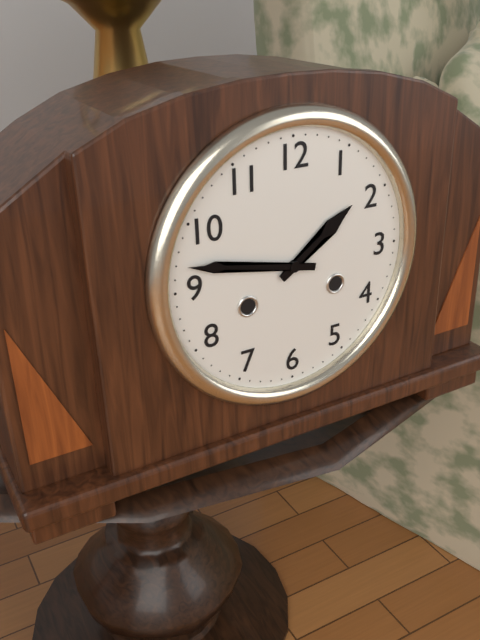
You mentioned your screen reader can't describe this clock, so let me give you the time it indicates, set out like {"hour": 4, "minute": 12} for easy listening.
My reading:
{"hour": 1, "minute": 47}
